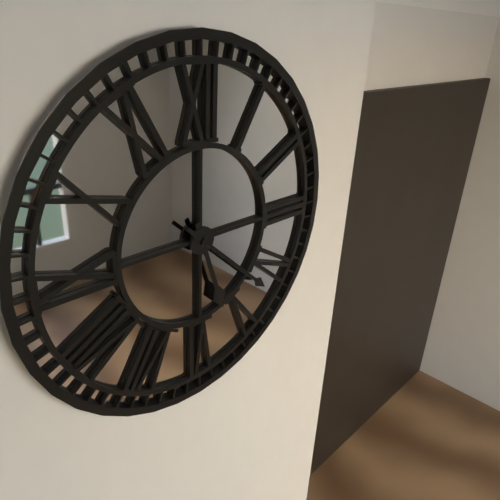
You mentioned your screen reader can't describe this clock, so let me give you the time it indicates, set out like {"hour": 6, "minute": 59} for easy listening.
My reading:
{"hour": 5, "minute": 22}
